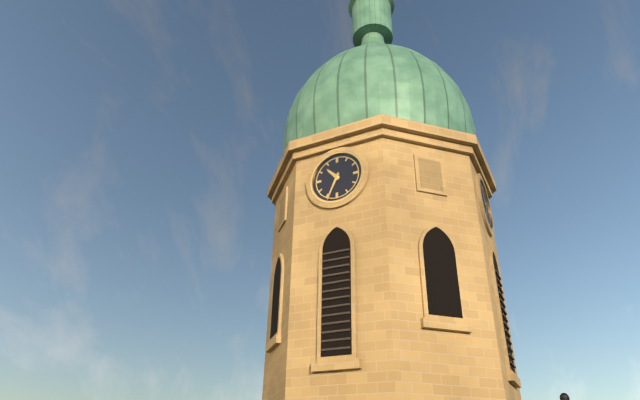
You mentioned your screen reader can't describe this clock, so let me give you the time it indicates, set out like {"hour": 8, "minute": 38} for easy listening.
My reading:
{"hour": 10, "minute": 34}
